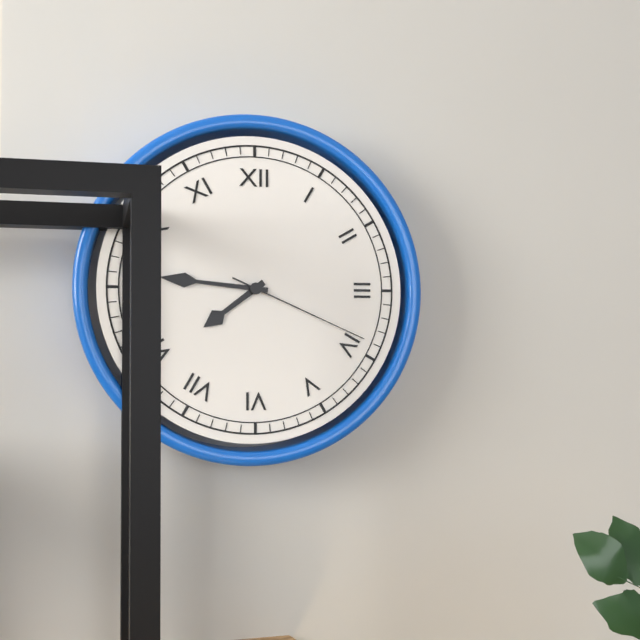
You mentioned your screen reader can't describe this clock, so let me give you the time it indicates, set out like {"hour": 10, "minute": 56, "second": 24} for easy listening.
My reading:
{"hour": 7, "minute": 46, "second": 19}
